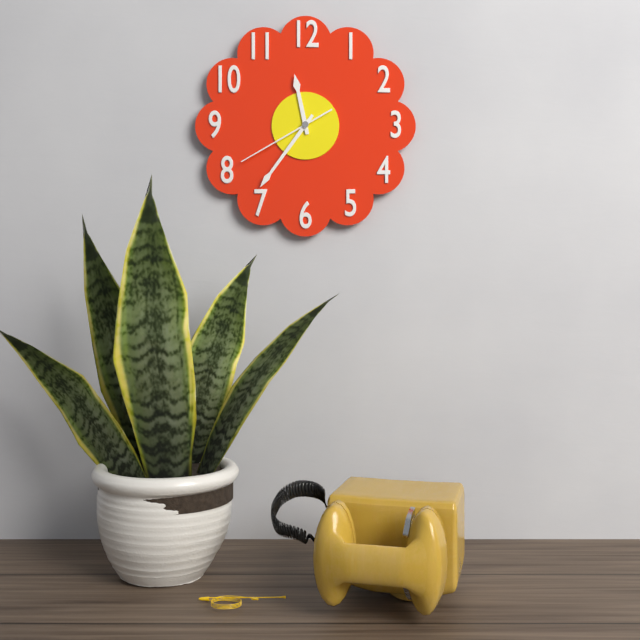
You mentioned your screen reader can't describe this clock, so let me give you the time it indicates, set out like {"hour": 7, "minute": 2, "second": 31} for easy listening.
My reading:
{"hour": 11, "minute": 36, "second": 40}
